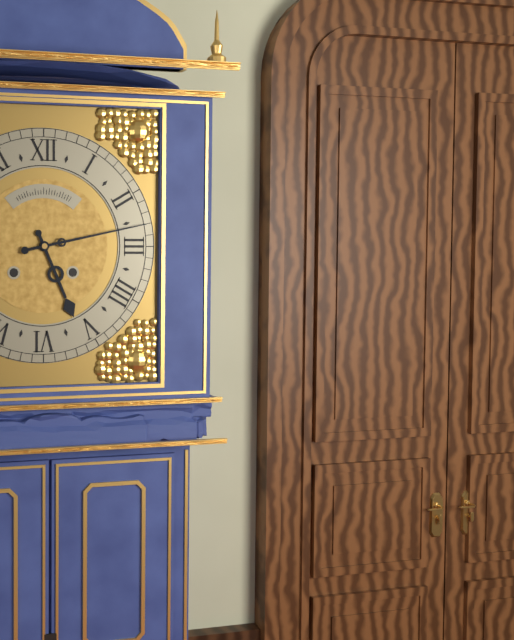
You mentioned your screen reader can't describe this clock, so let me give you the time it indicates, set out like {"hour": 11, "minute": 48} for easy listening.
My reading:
{"hour": 5, "minute": 13}
